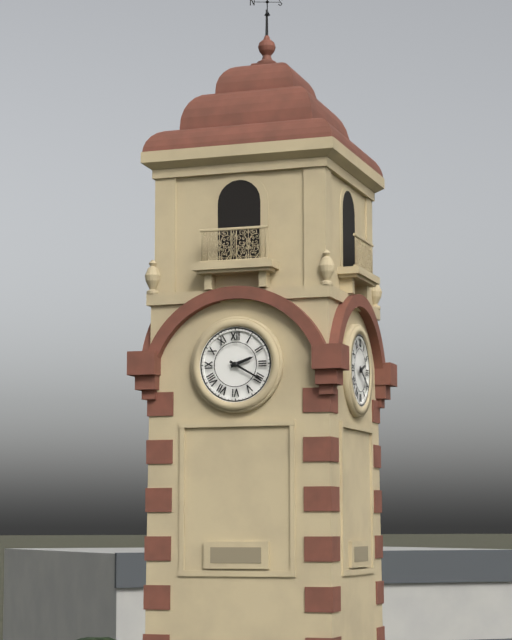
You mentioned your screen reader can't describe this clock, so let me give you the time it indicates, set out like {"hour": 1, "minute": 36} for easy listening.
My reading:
{"hour": 2, "minute": 20}
